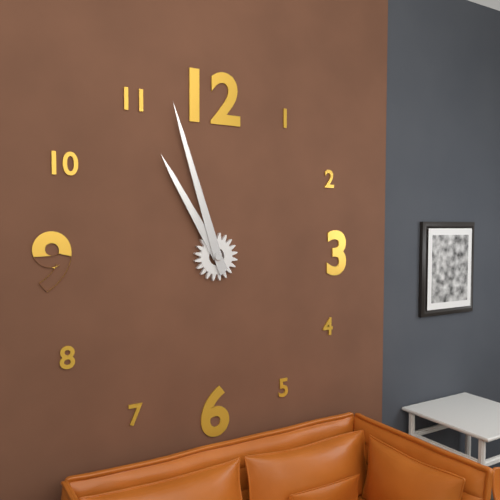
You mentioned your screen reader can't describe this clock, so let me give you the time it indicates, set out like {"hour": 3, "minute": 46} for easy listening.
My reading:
{"hour": 10, "minute": 57}
